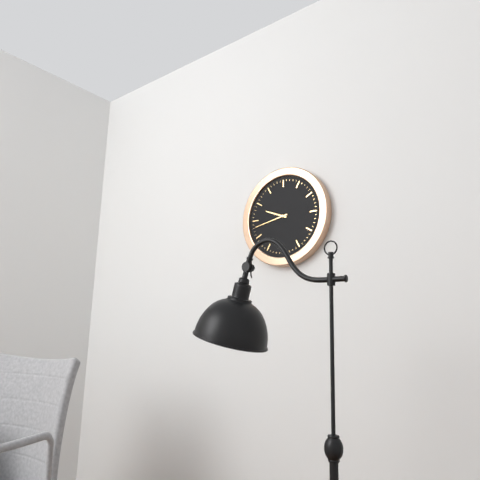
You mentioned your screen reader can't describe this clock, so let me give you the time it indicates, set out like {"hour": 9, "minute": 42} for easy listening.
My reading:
{"hour": 9, "minute": 43}
